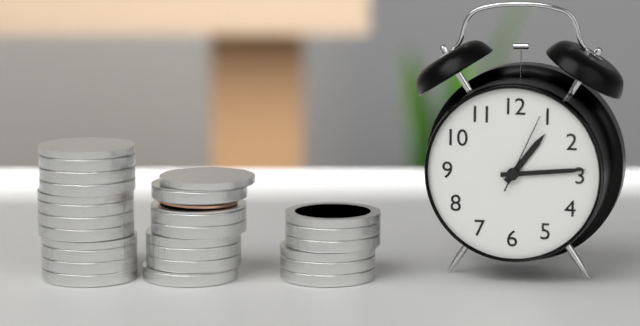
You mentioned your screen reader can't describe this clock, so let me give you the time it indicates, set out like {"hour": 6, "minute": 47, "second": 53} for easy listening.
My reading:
{"hour": 1, "minute": 14, "second": 4}
